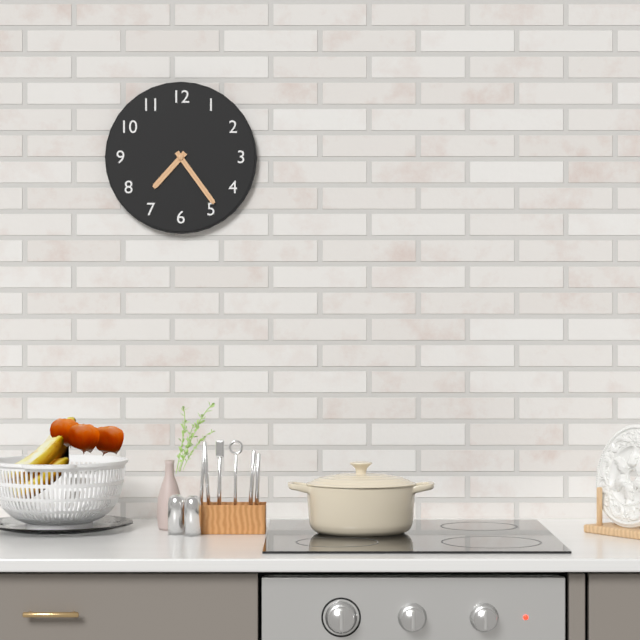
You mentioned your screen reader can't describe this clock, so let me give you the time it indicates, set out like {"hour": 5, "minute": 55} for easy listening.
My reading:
{"hour": 7, "minute": 24}
